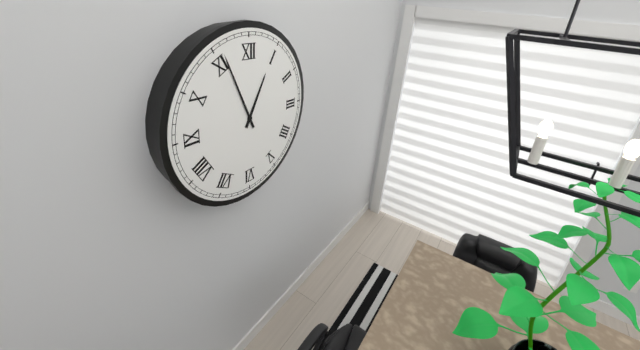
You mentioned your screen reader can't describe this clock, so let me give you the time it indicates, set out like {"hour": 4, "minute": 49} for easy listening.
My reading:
{"hour": 12, "minute": 56}
